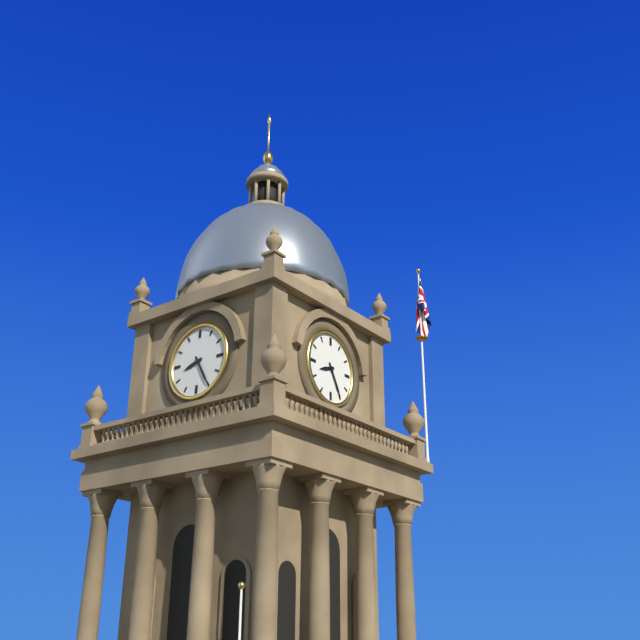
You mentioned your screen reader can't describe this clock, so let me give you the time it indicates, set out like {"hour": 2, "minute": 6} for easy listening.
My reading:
{"hour": 8, "minute": 25}
